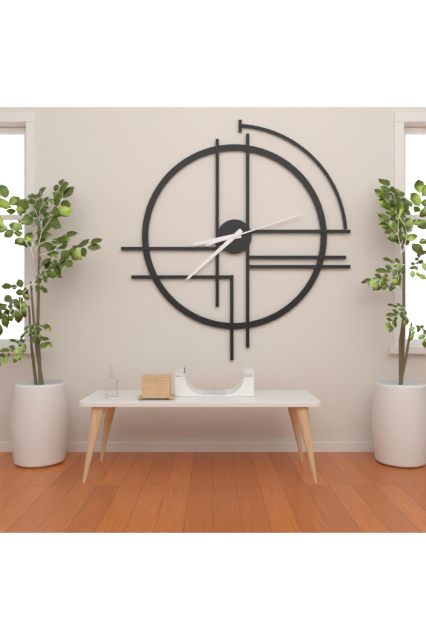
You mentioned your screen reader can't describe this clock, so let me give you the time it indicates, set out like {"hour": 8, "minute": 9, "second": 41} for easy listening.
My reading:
{"hour": 8, "minute": 38, "second": 12}
